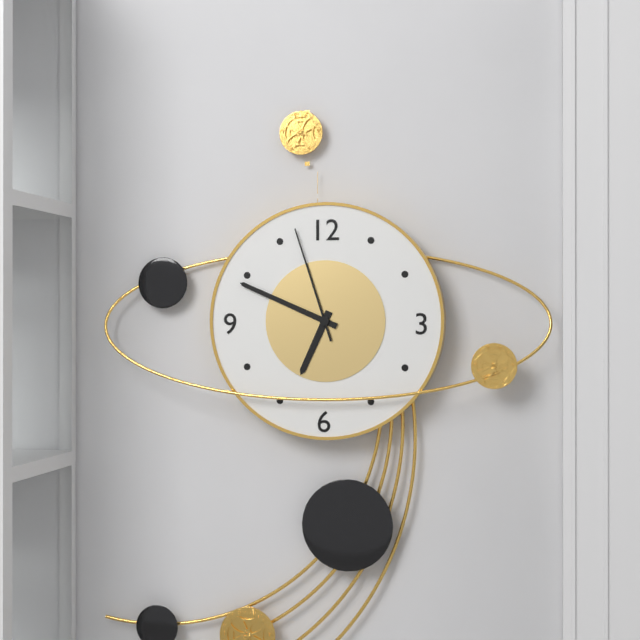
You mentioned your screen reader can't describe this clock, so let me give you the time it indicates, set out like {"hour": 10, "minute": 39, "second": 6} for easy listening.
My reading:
{"hour": 6, "minute": 49, "second": 57}
